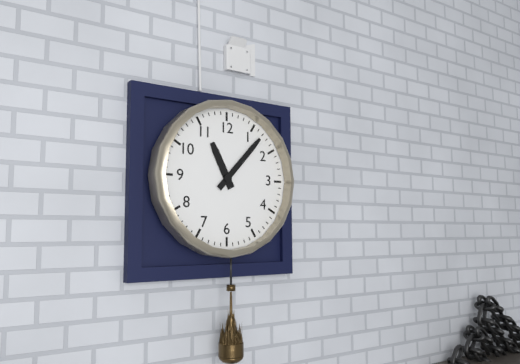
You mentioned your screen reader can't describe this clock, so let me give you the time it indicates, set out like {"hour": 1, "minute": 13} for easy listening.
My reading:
{"hour": 11, "minute": 7}
